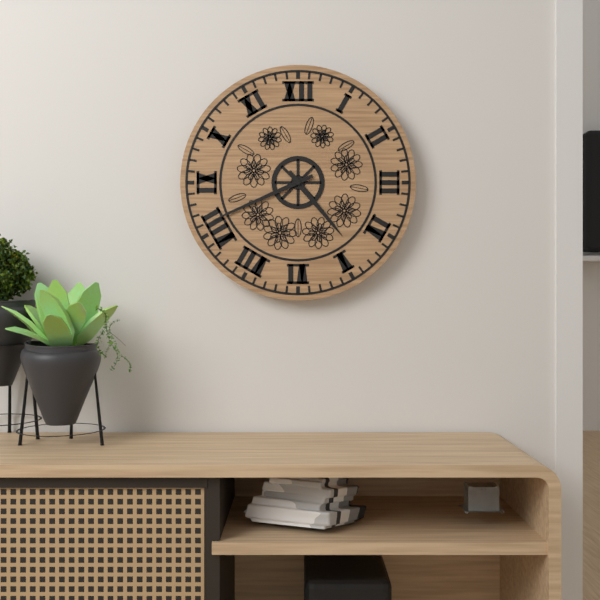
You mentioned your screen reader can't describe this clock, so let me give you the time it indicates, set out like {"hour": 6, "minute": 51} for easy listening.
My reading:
{"hour": 4, "minute": 41}
